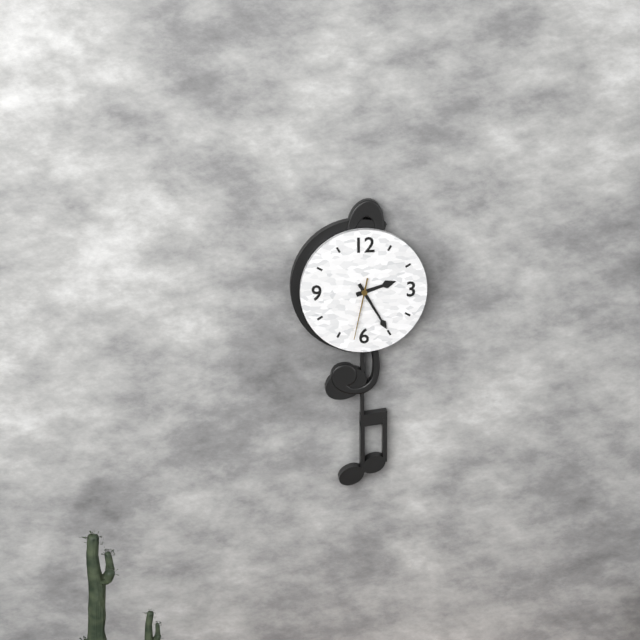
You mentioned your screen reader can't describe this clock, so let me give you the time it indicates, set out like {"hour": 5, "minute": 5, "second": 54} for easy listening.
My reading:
{"hour": 2, "minute": 25, "second": 32}
